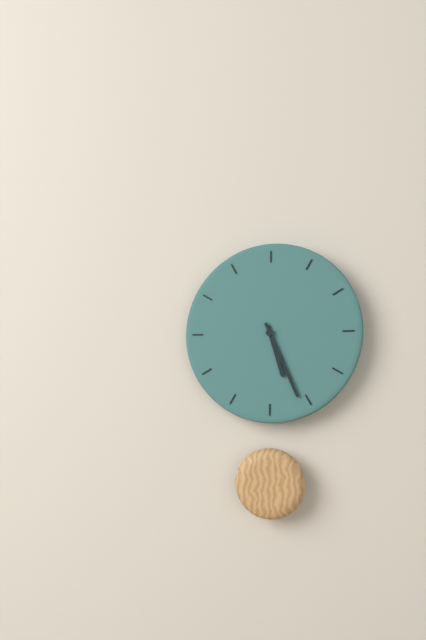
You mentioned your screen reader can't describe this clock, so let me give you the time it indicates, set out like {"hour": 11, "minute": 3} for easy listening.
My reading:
{"hour": 5, "minute": 26}
